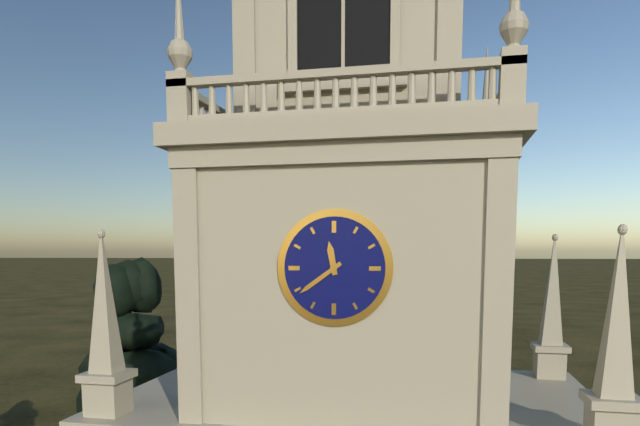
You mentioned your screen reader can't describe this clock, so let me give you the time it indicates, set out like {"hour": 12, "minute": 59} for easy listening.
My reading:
{"hour": 11, "minute": 39}
